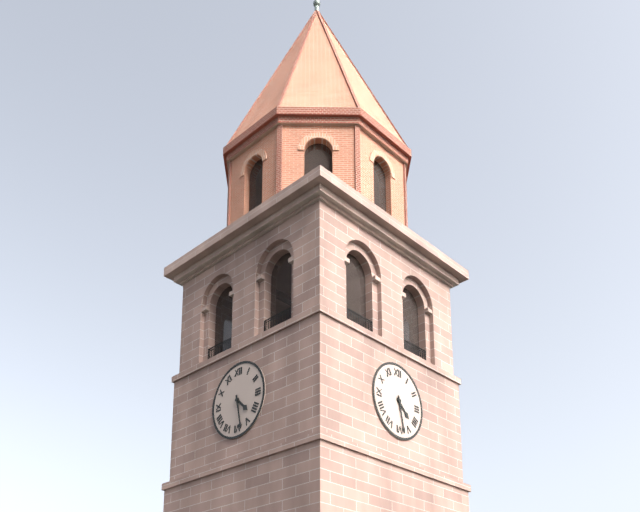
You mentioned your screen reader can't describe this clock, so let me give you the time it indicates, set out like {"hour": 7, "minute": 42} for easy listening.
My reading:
{"hour": 4, "minute": 28}
